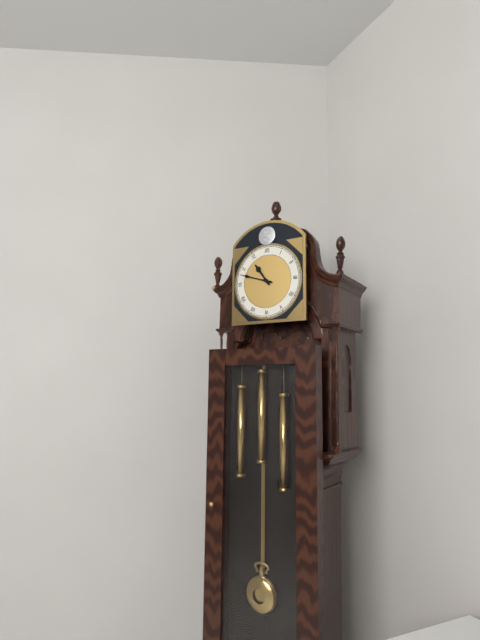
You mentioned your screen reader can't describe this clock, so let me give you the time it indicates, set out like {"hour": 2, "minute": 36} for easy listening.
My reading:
{"hour": 10, "minute": 48}
